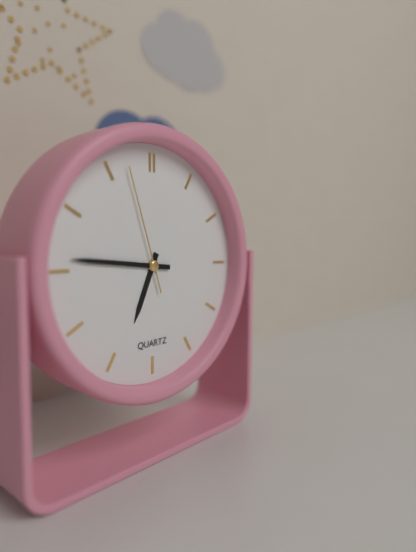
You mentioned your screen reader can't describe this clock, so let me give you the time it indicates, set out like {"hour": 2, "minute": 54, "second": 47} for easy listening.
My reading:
{"hour": 6, "minute": 46, "second": 57}
